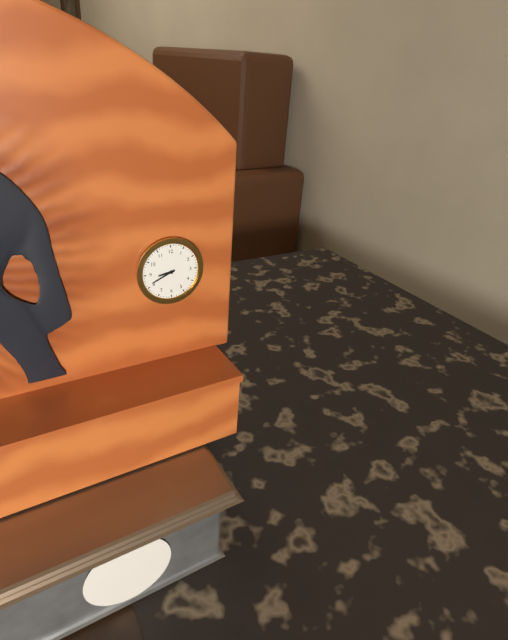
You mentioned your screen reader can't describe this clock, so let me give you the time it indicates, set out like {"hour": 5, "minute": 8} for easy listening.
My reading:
{"hour": 8, "minute": 41}
